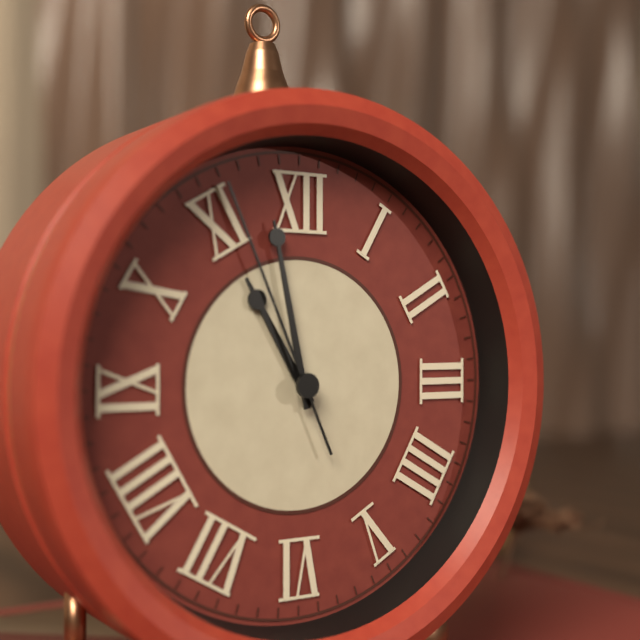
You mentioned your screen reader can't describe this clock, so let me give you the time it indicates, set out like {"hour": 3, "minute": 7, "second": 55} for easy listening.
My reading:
{"hour": 10, "minute": 58, "second": 56}
